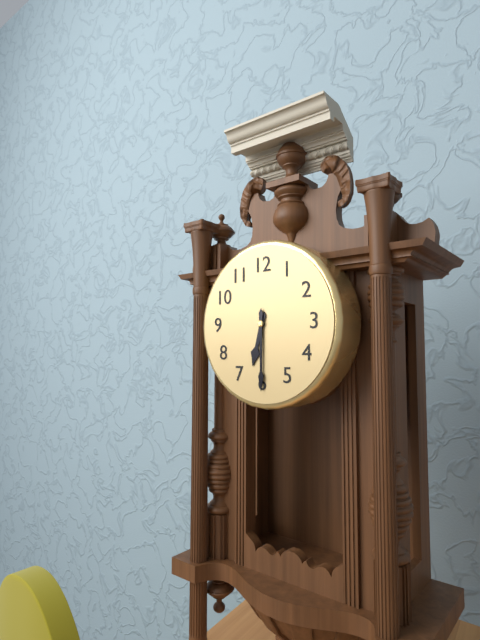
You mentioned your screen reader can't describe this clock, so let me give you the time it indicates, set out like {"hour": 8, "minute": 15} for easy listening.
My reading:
{"hour": 6, "minute": 30}
